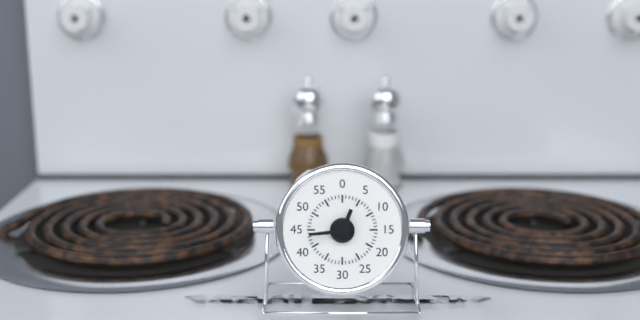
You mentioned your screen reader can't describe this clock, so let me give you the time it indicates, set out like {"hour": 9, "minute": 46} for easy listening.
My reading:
{"hour": 12, "minute": 44}
